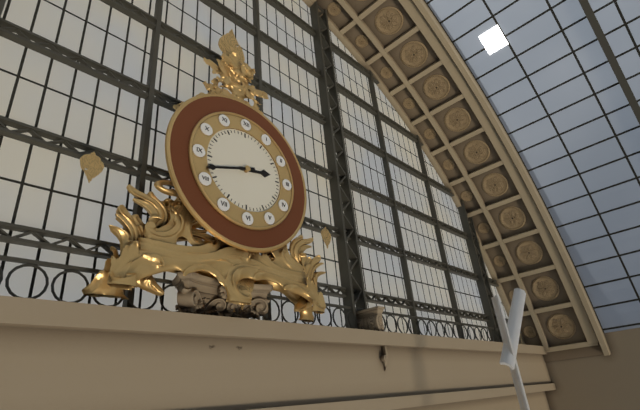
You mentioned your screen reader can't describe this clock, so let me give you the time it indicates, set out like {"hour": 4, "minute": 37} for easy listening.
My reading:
{"hour": 2, "minute": 42}
